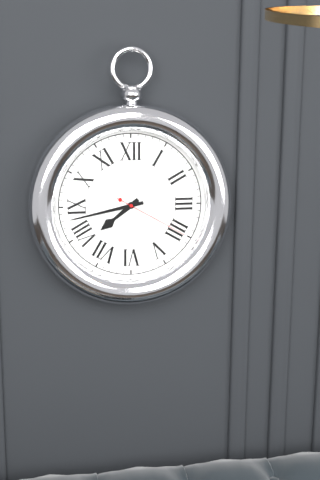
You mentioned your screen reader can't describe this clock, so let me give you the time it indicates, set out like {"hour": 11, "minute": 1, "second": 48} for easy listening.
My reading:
{"hour": 7, "minute": 43, "second": 20}
